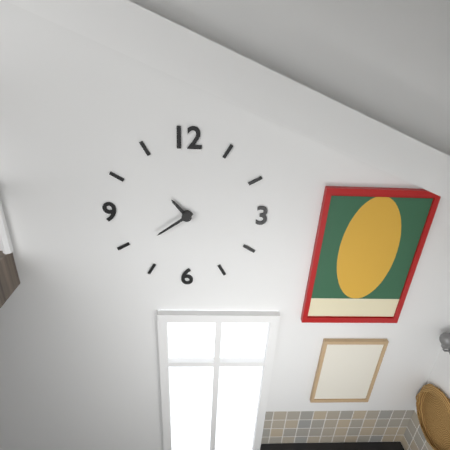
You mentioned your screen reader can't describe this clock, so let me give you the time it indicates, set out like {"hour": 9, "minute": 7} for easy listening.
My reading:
{"hour": 10, "minute": 39}
